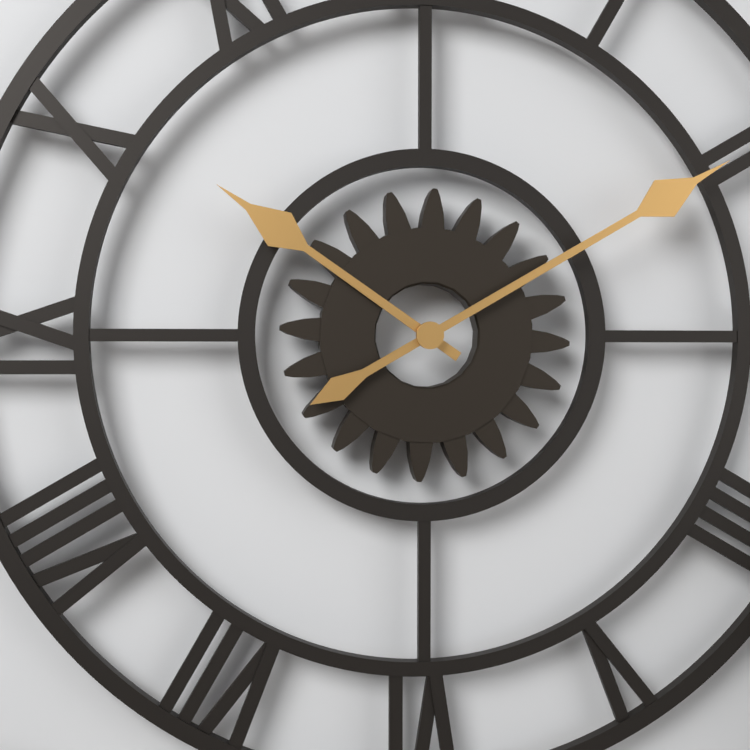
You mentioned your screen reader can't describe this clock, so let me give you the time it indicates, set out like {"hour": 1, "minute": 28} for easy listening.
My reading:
{"hour": 10, "minute": 10}
